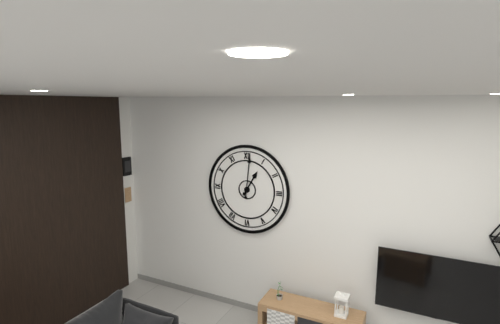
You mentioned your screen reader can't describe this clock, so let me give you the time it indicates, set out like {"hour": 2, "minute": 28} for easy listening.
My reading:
{"hour": 1, "minute": 1}
